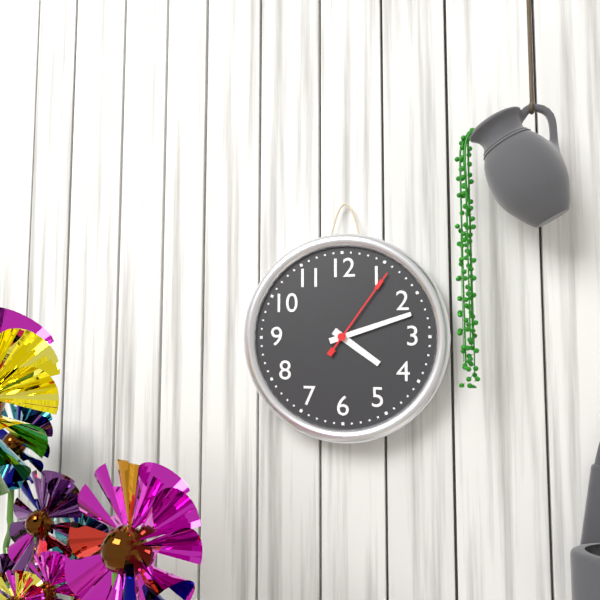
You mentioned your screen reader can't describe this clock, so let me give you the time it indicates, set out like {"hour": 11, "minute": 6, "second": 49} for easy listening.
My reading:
{"hour": 4, "minute": 12, "second": 6}
